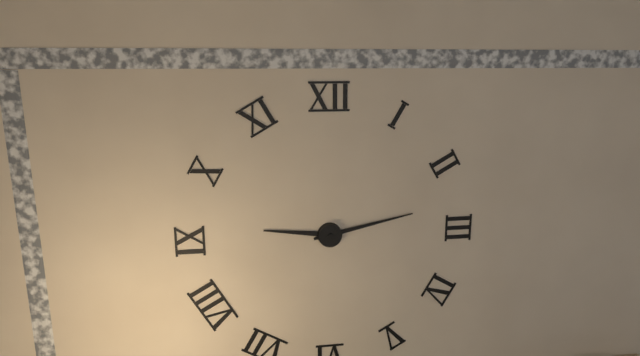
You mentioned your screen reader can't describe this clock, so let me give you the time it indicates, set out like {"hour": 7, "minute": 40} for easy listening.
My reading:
{"hour": 9, "minute": 13}
